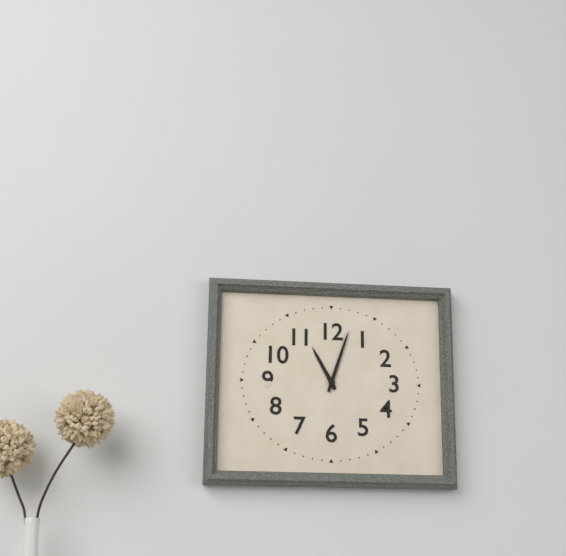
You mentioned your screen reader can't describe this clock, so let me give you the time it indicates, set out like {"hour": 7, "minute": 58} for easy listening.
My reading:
{"hour": 11, "minute": 3}
